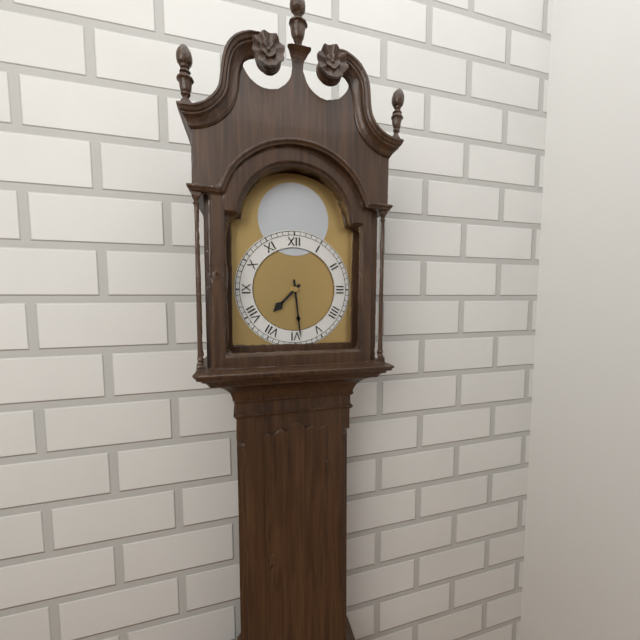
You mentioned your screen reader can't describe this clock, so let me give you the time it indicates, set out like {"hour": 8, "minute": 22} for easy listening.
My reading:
{"hour": 7, "minute": 29}
